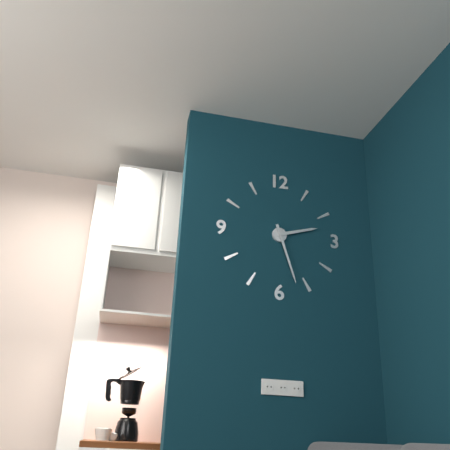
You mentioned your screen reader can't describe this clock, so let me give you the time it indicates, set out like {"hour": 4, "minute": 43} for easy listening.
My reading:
{"hour": 2, "minute": 27}
